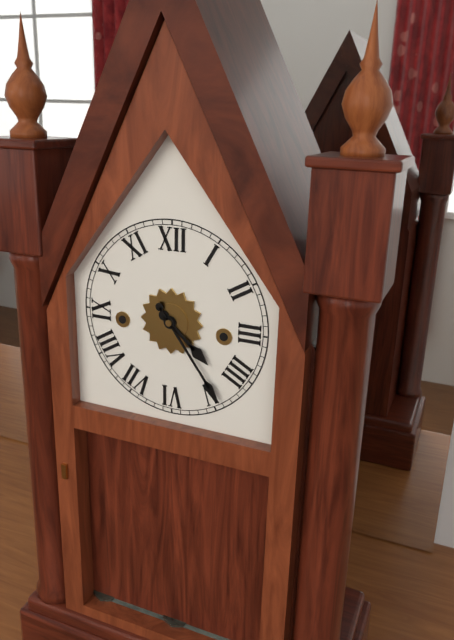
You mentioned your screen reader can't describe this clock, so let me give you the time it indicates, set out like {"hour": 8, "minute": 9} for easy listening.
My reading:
{"hour": 4, "minute": 24}
